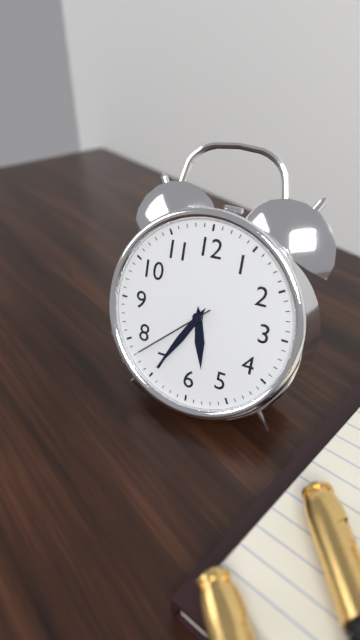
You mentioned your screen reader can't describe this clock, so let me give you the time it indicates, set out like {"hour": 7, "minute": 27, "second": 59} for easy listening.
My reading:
{"hour": 5, "minute": 35, "second": 38}
